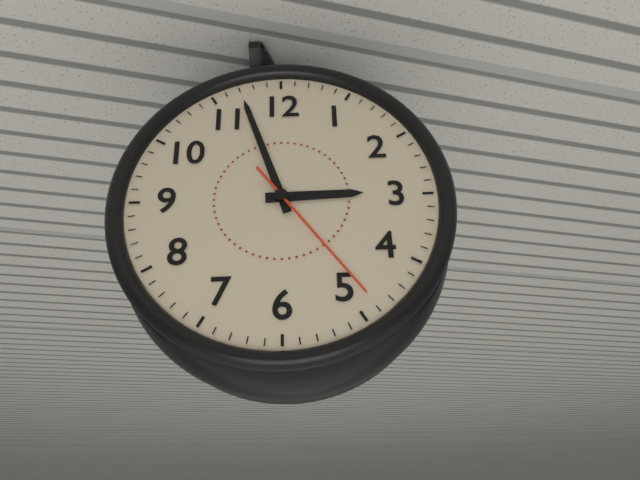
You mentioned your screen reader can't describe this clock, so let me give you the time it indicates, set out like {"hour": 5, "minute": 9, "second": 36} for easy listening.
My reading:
{"hour": 2, "minute": 57, "second": 24}
